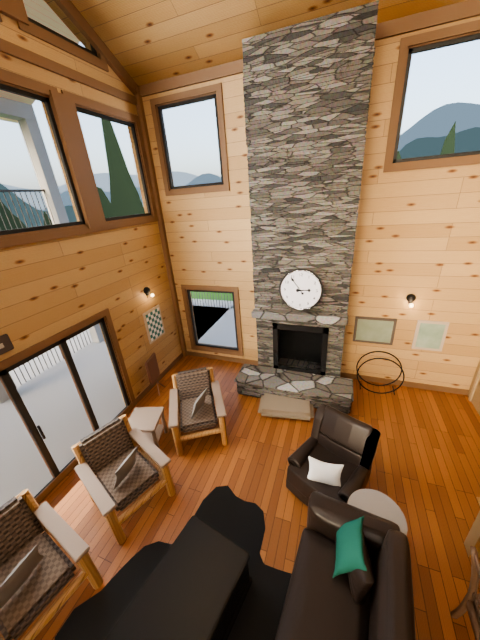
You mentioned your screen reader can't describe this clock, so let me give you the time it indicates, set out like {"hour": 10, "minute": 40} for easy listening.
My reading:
{"hour": 2, "minute": 54}
